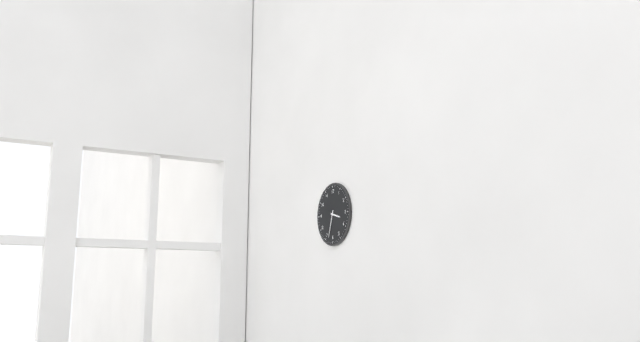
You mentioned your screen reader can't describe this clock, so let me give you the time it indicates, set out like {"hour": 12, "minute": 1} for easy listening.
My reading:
{"hour": 3, "minute": 33}
